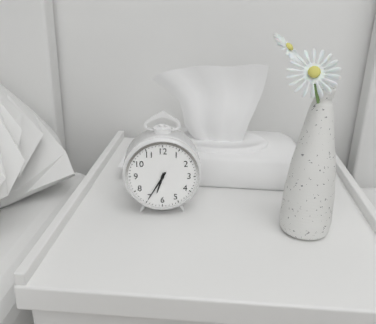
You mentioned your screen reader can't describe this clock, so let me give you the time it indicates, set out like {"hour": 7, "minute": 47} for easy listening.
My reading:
{"hour": 6, "minute": 35}
